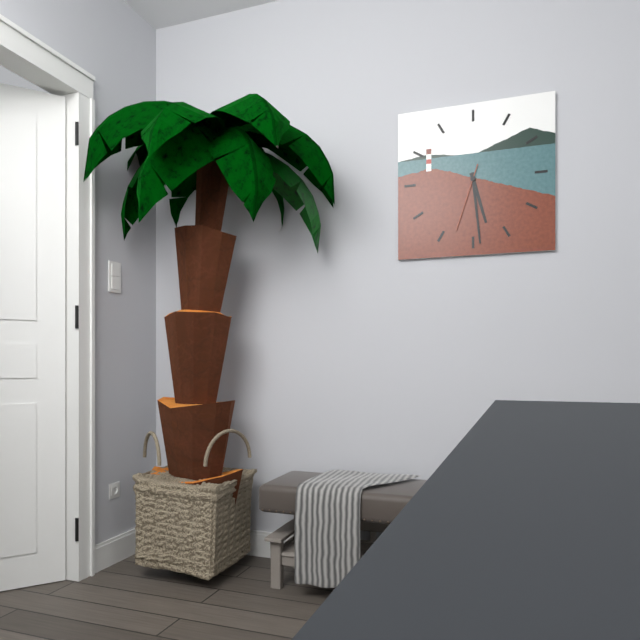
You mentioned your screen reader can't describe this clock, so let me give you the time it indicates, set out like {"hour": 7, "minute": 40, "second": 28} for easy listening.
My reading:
{"hour": 5, "minute": 29, "second": 33}
